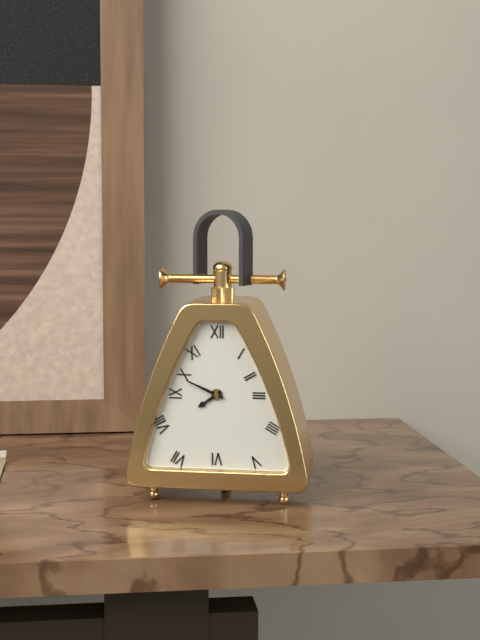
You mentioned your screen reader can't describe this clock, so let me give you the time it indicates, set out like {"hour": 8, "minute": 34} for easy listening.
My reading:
{"hour": 7, "minute": 49}
